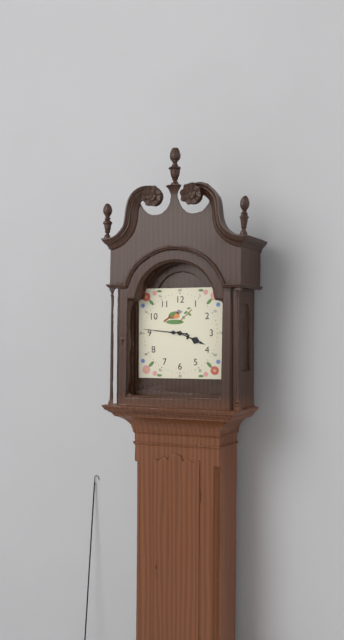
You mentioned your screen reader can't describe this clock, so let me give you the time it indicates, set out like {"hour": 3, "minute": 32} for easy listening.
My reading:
{"hour": 3, "minute": 46}
